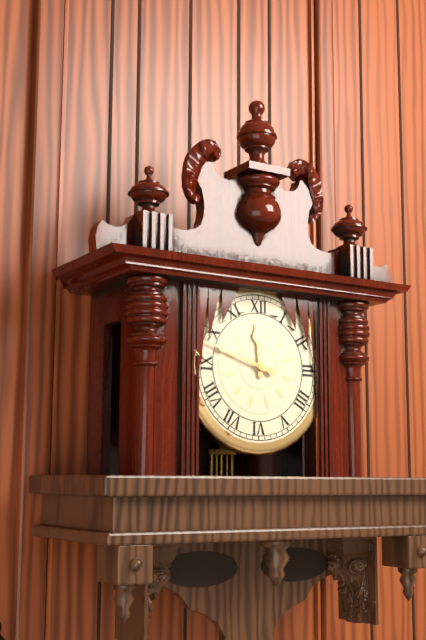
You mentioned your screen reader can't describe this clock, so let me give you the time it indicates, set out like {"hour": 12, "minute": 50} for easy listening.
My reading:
{"hour": 11, "minute": 48}
